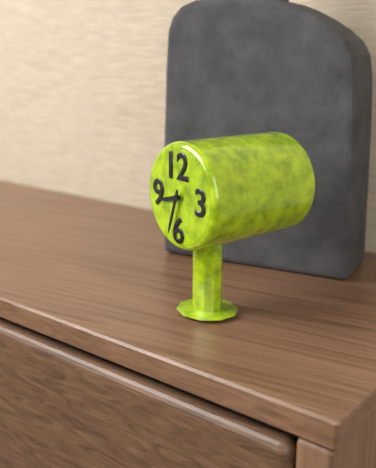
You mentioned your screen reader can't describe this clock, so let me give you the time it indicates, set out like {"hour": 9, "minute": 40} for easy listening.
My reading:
{"hour": 8, "minute": 33}
